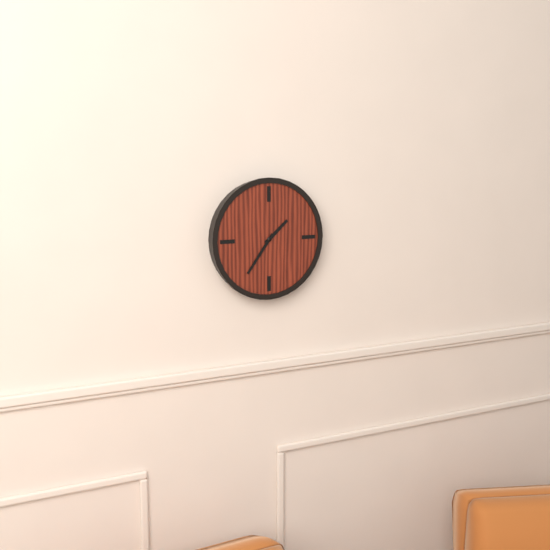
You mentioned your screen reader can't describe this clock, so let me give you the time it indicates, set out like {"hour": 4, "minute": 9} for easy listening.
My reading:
{"hour": 1, "minute": 36}
